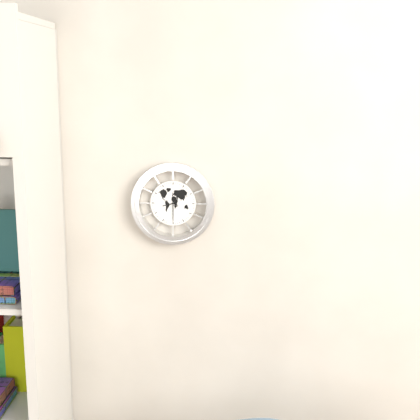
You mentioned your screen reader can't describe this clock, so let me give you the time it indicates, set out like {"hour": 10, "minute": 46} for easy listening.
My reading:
{"hour": 8, "minute": 30}
